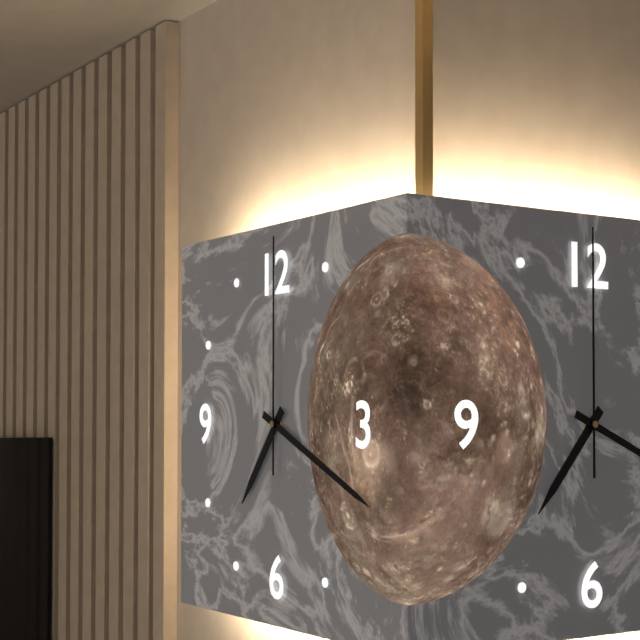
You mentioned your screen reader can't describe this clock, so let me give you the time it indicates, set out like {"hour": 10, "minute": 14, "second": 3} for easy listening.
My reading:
{"hour": 7, "minute": 19, "second": 0}
